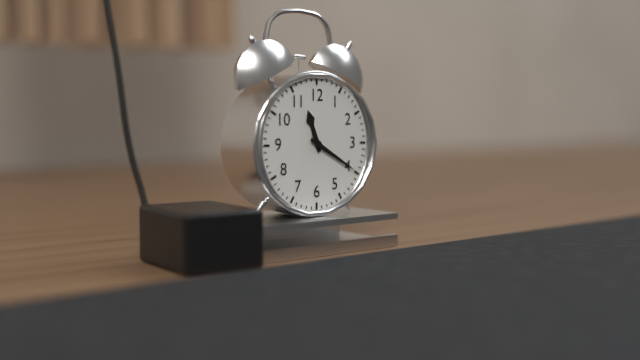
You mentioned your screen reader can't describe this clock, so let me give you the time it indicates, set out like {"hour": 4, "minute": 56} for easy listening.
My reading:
{"hour": 11, "minute": 20}
